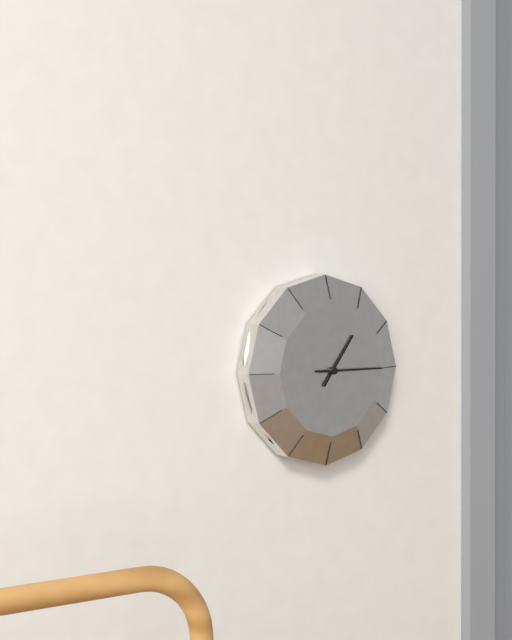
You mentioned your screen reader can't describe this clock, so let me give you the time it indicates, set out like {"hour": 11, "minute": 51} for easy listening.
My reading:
{"hour": 1, "minute": 15}
